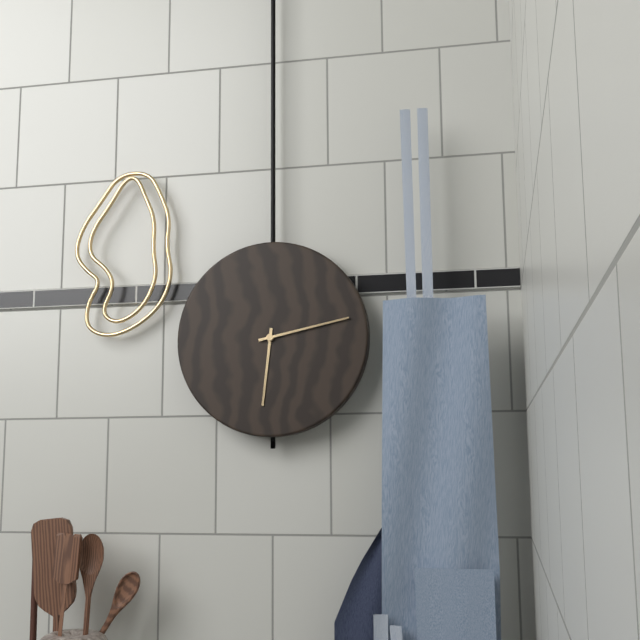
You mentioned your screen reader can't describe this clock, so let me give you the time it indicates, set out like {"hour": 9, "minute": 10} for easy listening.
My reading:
{"hour": 6, "minute": 13}
